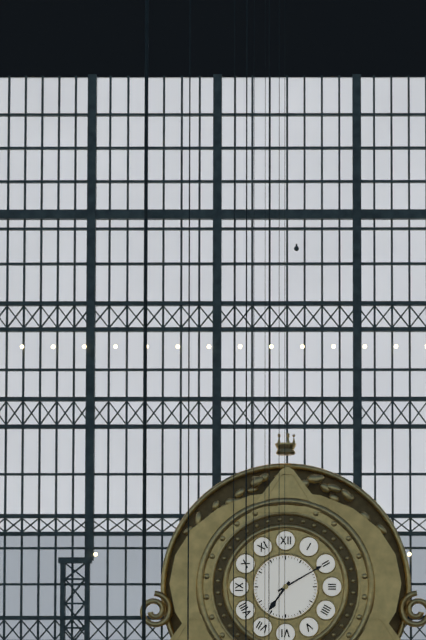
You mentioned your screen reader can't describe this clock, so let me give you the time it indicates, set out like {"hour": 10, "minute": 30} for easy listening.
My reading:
{"hour": 7, "minute": 10}
